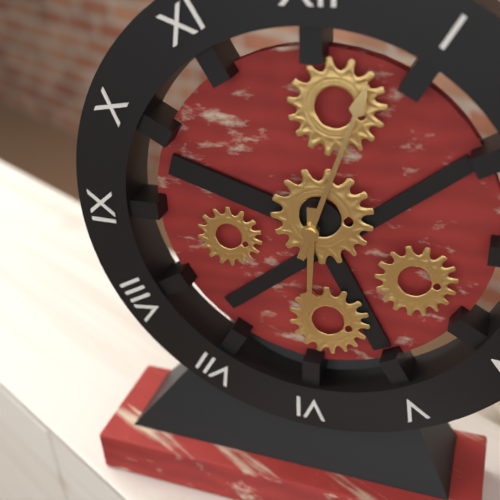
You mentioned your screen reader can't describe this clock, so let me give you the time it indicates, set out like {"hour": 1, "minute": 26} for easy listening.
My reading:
{"hour": 6, "minute": 3}
